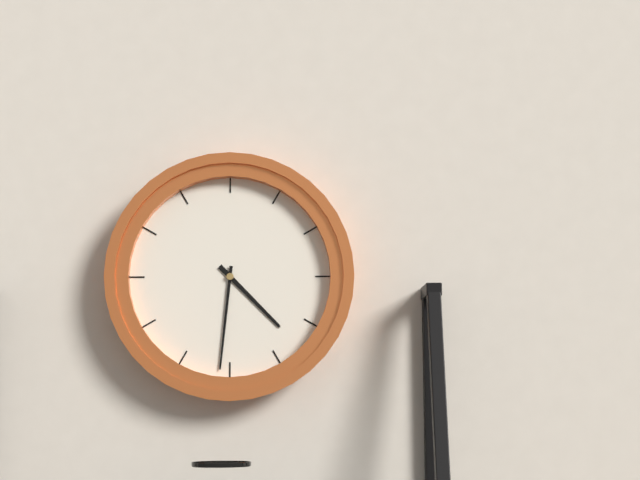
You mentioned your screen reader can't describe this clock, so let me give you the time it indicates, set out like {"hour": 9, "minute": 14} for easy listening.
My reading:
{"hour": 4, "minute": 31}
